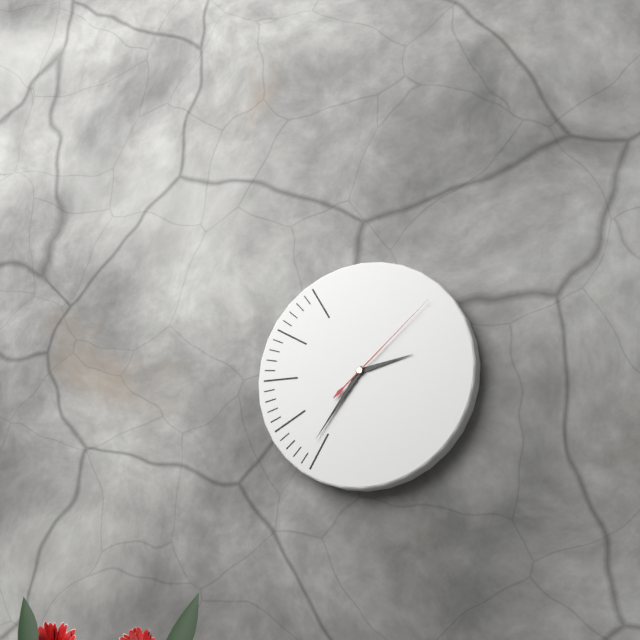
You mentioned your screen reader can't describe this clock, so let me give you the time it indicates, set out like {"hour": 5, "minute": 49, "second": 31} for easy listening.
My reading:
{"hour": 2, "minute": 36, "second": 8}
